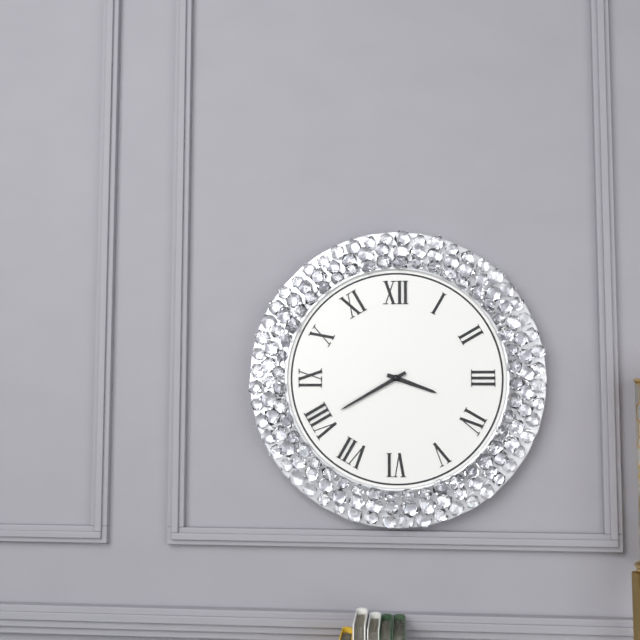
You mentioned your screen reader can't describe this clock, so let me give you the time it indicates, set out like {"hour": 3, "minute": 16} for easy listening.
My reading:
{"hour": 3, "minute": 40}
